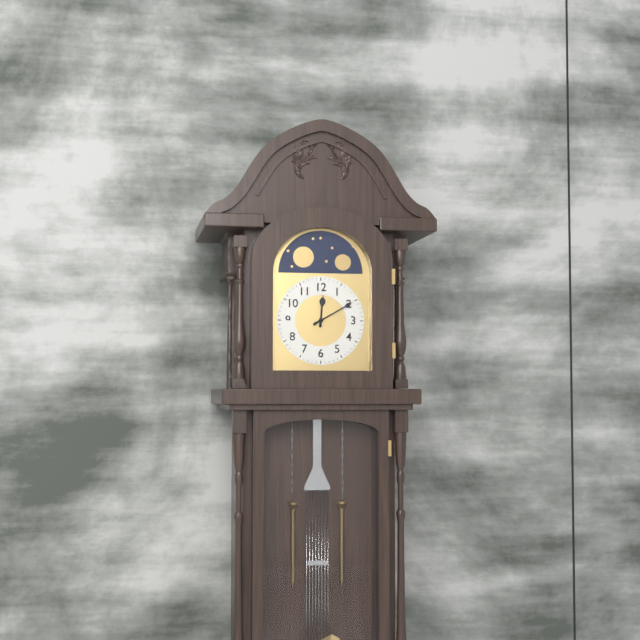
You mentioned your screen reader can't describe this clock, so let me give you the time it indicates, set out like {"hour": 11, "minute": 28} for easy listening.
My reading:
{"hour": 12, "minute": 10}
